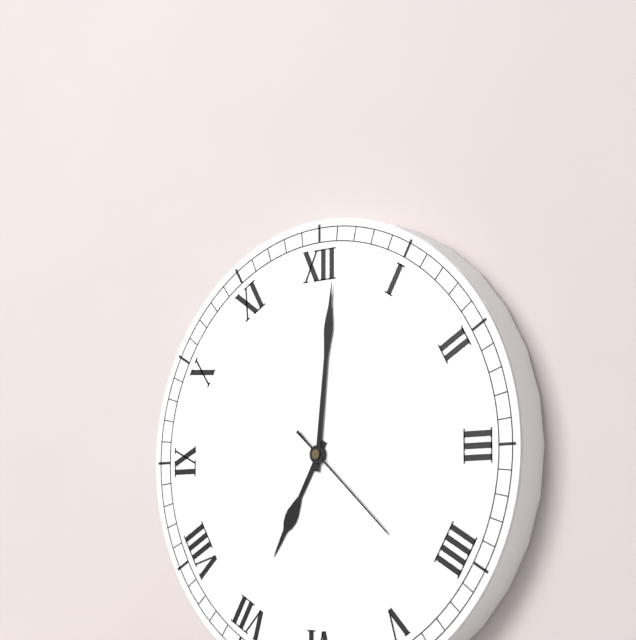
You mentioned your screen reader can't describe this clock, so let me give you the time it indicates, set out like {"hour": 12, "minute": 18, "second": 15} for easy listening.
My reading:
{"hour": 7, "minute": 1, "second": 22}
